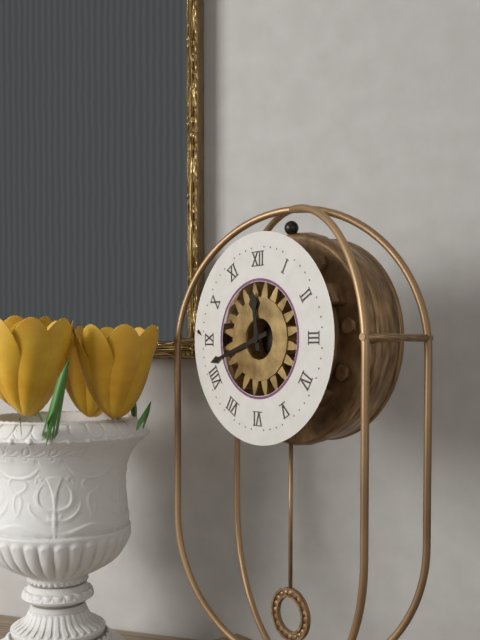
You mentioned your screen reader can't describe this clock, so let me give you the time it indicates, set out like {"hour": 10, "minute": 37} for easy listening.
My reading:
{"hour": 11, "minute": 42}
